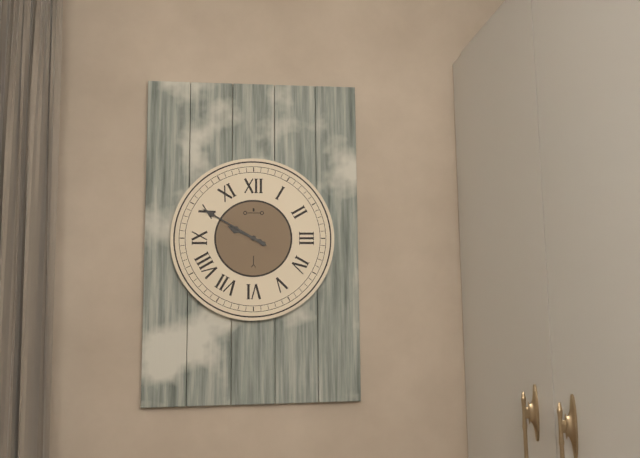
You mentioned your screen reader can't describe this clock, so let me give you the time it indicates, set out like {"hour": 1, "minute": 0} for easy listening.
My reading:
{"hour": 9, "minute": 50}
